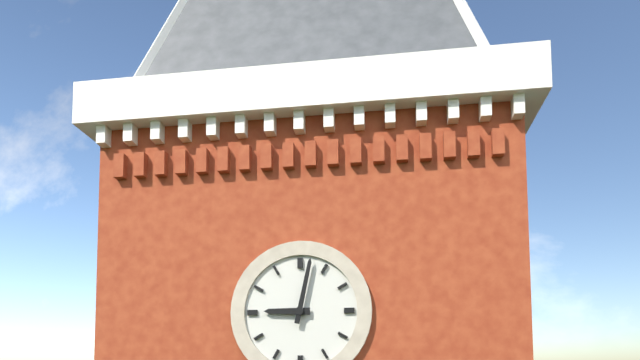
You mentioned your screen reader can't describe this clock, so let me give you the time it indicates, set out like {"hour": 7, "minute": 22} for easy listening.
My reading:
{"hour": 9, "minute": 2}
